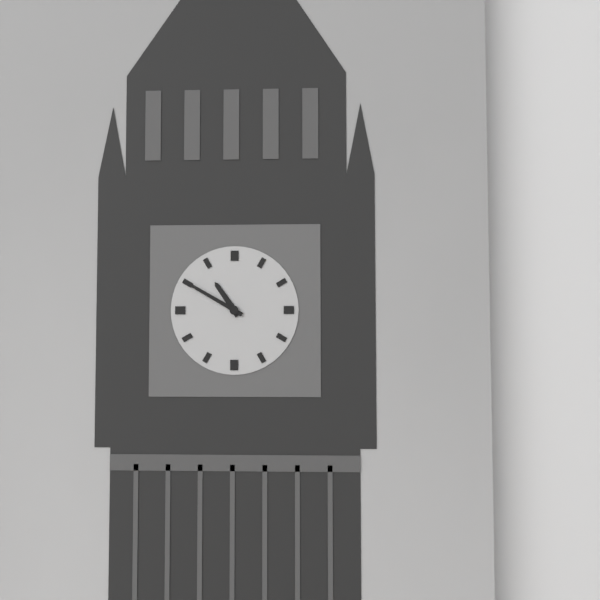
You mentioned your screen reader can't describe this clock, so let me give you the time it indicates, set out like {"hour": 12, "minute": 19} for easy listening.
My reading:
{"hour": 10, "minute": 50}
